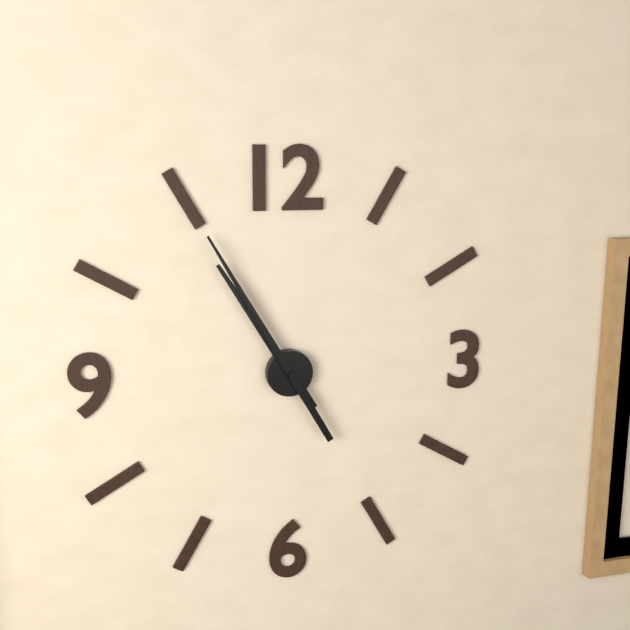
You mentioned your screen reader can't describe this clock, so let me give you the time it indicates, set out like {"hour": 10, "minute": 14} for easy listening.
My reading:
{"hour": 10, "minute": 55}
